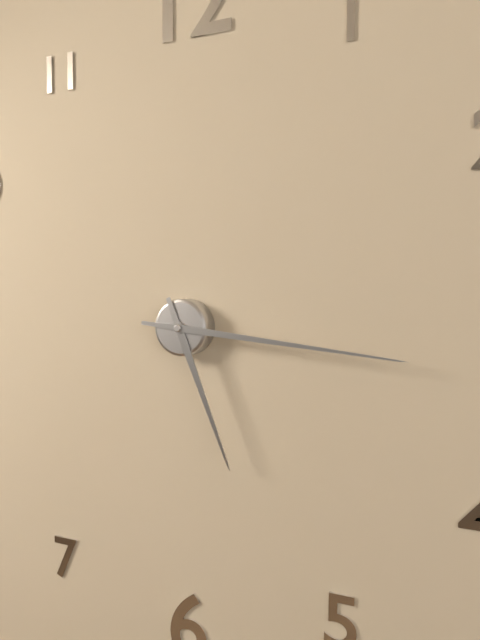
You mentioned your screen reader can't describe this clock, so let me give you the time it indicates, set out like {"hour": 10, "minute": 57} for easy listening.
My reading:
{"hour": 5, "minute": 16}
